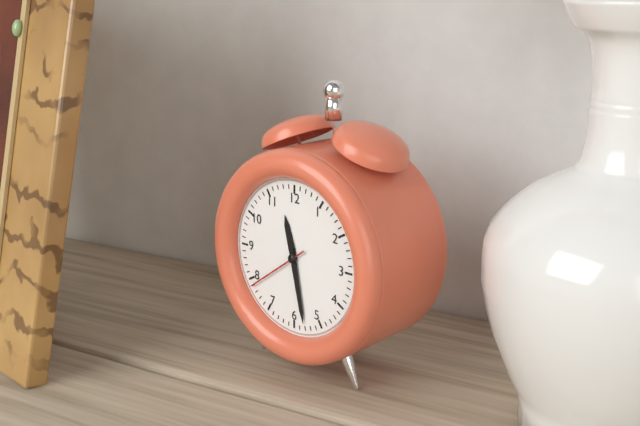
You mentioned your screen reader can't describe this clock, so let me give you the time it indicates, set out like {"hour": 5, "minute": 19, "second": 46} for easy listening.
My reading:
{"hour": 11, "minute": 28, "second": 39}
